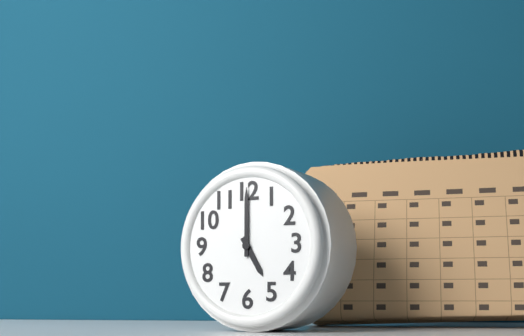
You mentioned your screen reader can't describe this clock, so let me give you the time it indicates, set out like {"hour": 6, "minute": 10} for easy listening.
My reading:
{"hour": 5, "minute": 0}
